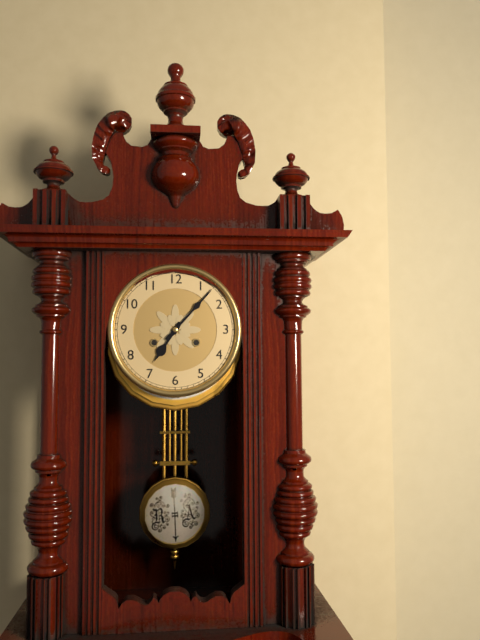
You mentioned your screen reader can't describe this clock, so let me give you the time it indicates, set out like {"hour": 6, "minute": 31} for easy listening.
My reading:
{"hour": 7, "minute": 7}
